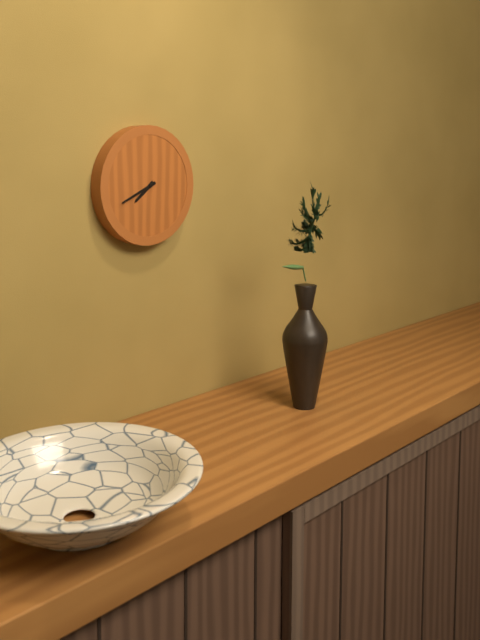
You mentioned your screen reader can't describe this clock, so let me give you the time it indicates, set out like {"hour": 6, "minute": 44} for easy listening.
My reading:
{"hour": 7, "minute": 41}
